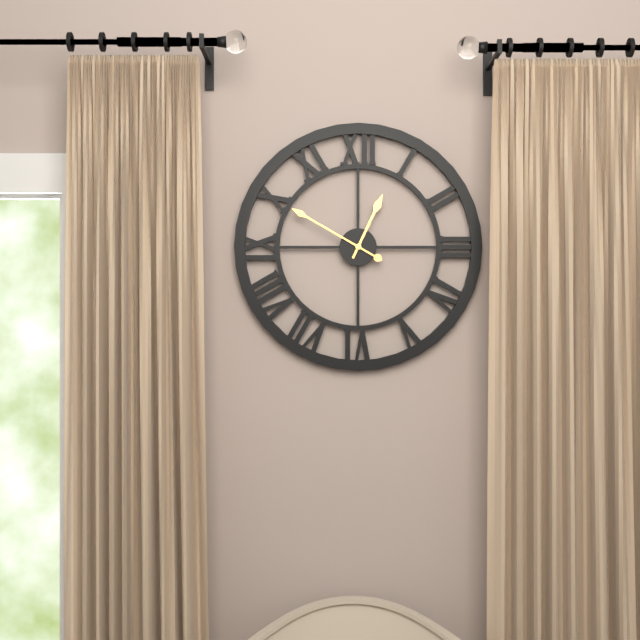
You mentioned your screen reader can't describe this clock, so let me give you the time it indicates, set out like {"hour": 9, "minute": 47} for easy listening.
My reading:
{"hour": 12, "minute": 50}
